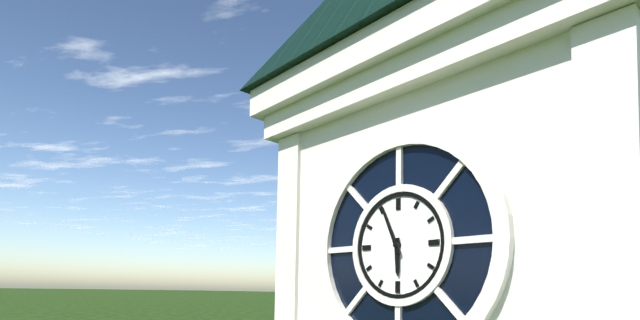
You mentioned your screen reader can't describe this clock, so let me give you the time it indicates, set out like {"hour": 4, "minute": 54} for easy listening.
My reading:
{"hour": 5, "minute": 56}
